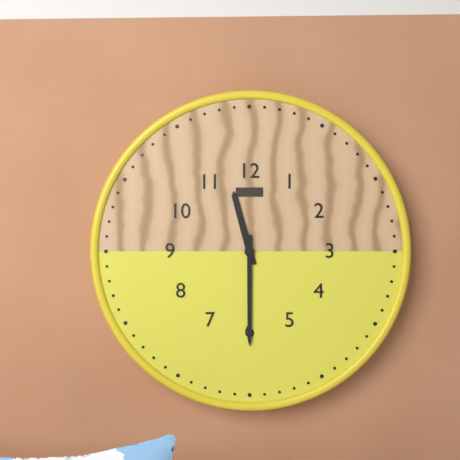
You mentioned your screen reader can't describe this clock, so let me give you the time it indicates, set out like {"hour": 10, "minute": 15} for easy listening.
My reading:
{"hour": 11, "minute": 30}
